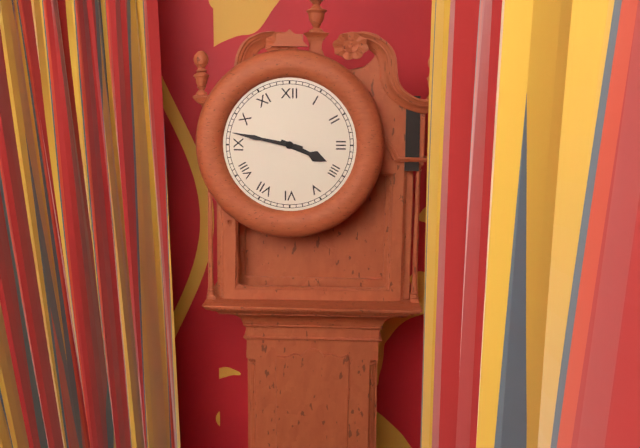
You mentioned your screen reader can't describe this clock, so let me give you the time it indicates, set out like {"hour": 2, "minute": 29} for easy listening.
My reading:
{"hour": 3, "minute": 47}
